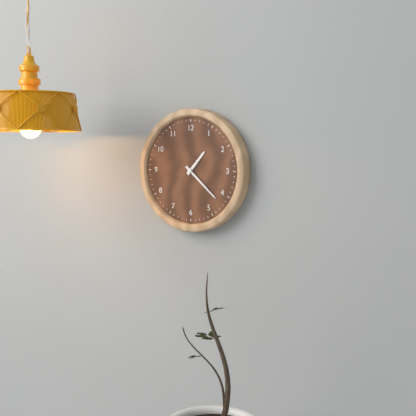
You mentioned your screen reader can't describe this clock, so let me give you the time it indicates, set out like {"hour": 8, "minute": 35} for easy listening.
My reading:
{"hour": 1, "minute": 22}
